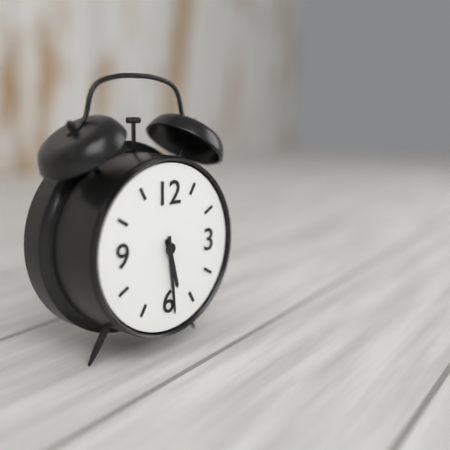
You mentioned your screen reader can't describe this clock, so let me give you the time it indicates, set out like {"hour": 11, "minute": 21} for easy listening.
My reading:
{"hour": 5, "minute": 29}
